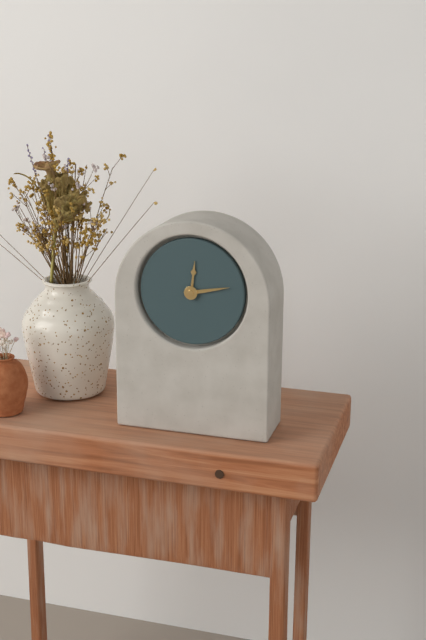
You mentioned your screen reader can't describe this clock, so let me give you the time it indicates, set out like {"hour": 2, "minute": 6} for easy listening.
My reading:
{"hour": 12, "minute": 13}
